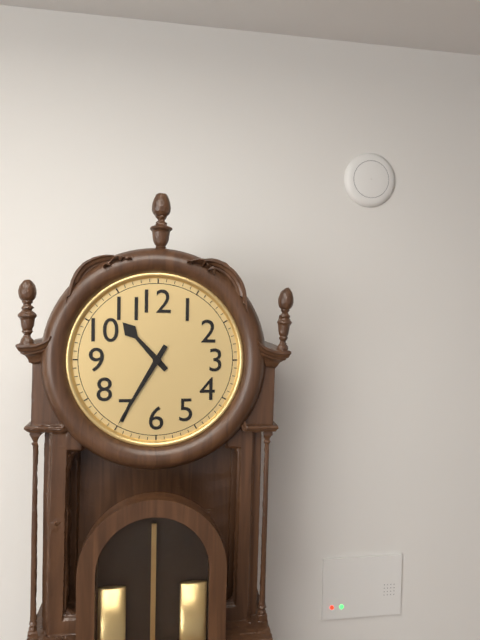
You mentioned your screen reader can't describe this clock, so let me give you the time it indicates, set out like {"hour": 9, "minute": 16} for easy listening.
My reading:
{"hour": 10, "minute": 35}
